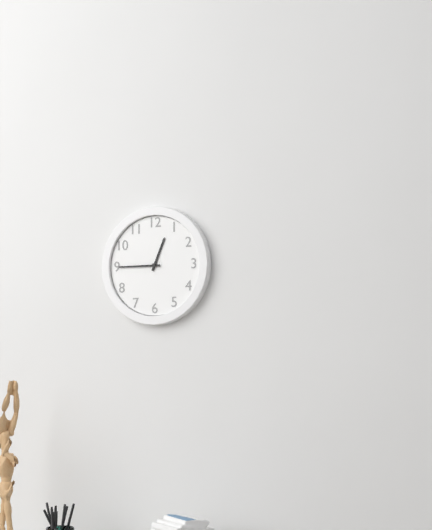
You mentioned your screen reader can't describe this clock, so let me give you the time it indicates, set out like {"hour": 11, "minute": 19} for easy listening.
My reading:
{"hour": 12, "minute": 45}
